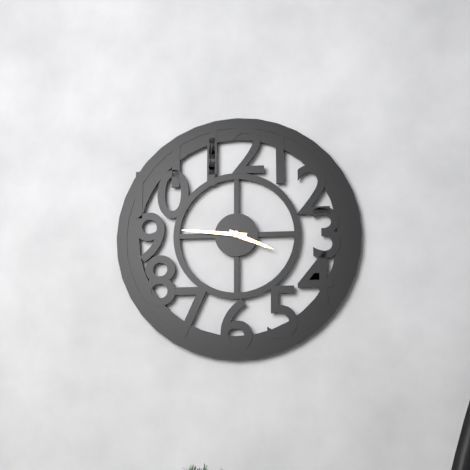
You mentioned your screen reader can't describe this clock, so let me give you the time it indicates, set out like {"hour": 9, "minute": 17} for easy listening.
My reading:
{"hour": 3, "minute": 46}
